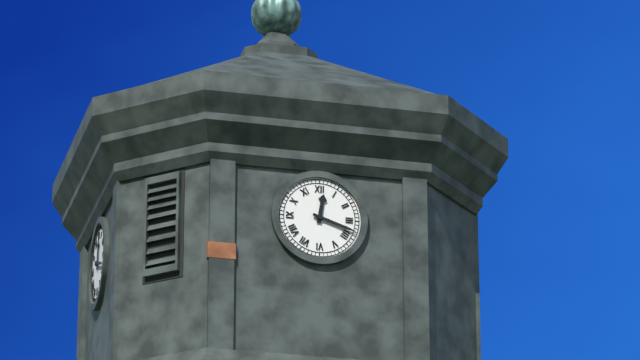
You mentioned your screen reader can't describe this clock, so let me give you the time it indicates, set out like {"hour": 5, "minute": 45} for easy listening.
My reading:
{"hour": 12, "minute": 18}
